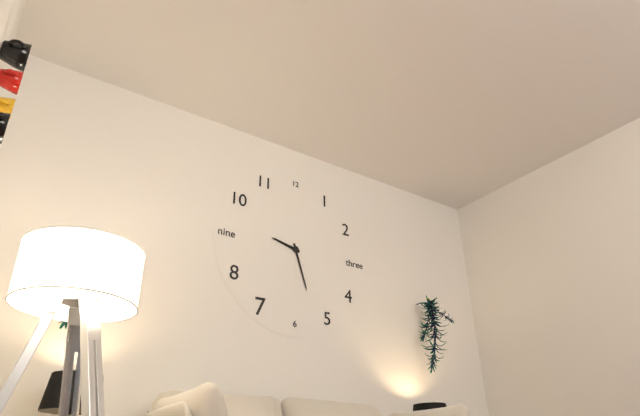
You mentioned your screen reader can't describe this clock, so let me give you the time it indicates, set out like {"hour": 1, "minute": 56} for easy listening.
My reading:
{"hour": 9, "minute": 27}
